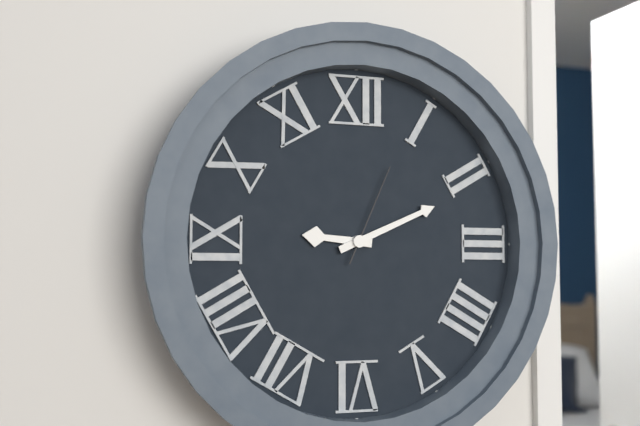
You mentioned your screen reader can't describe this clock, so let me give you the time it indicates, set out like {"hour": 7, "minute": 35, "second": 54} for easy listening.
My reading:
{"hour": 9, "minute": 11, "second": 4}
